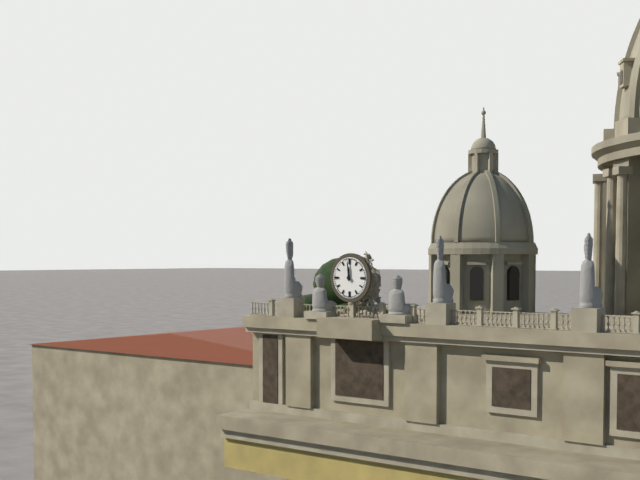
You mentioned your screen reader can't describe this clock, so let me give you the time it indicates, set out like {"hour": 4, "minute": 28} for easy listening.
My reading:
{"hour": 11, "minute": 59}
